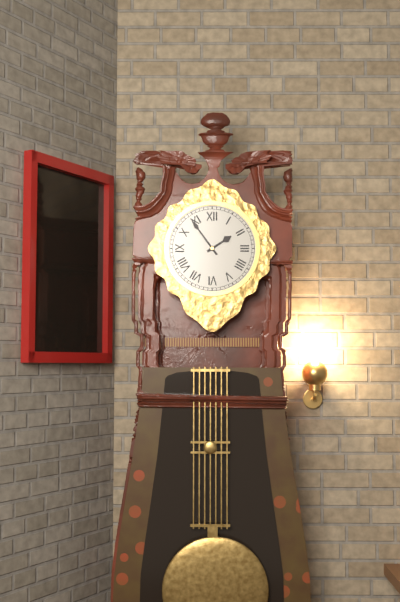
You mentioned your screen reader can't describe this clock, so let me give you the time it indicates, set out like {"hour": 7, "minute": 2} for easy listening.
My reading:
{"hour": 1, "minute": 54}
